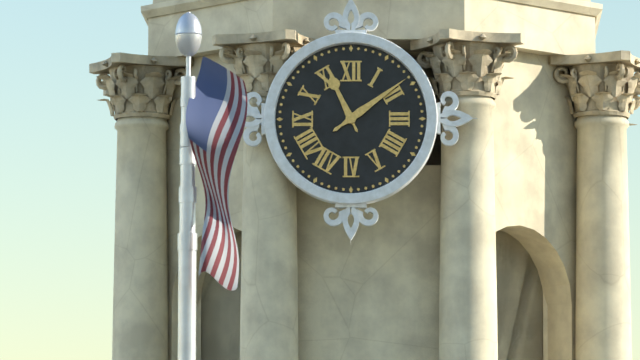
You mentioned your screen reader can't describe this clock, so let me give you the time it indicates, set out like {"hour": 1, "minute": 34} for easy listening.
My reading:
{"hour": 11, "minute": 9}
